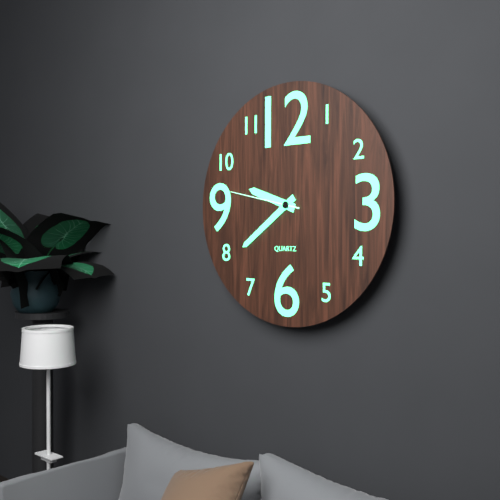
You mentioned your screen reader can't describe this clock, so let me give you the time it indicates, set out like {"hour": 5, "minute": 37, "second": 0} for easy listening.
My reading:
{"hour": 9, "minute": 39, "second": 47}
